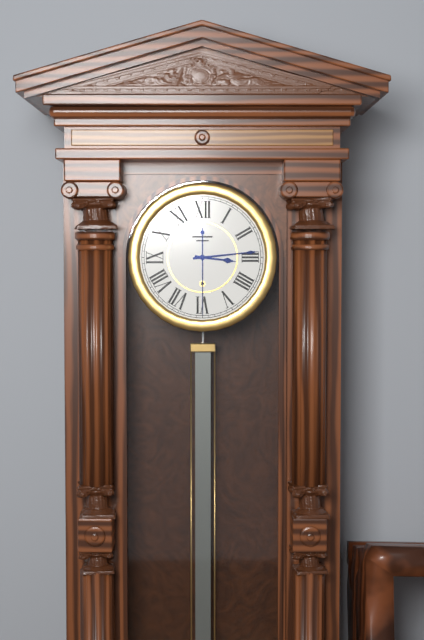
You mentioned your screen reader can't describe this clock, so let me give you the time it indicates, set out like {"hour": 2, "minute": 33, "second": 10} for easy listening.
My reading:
{"hour": 3, "minute": 14, "second": 30}
